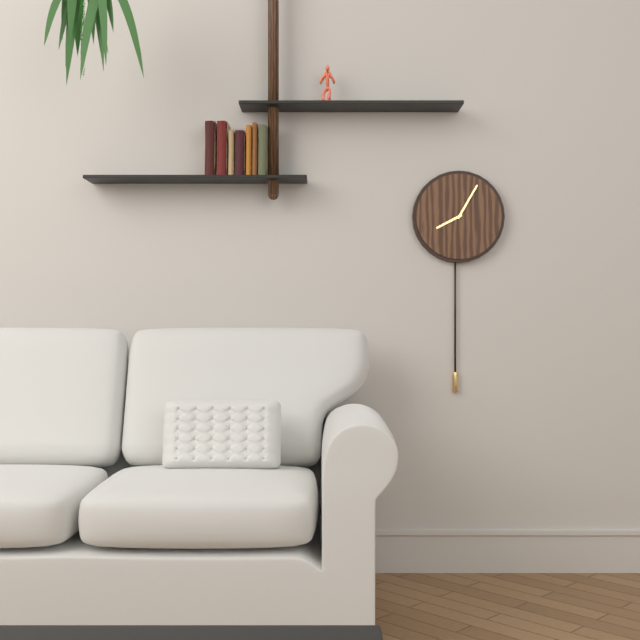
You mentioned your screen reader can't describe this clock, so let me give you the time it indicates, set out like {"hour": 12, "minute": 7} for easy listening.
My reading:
{"hour": 8, "minute": 5}
